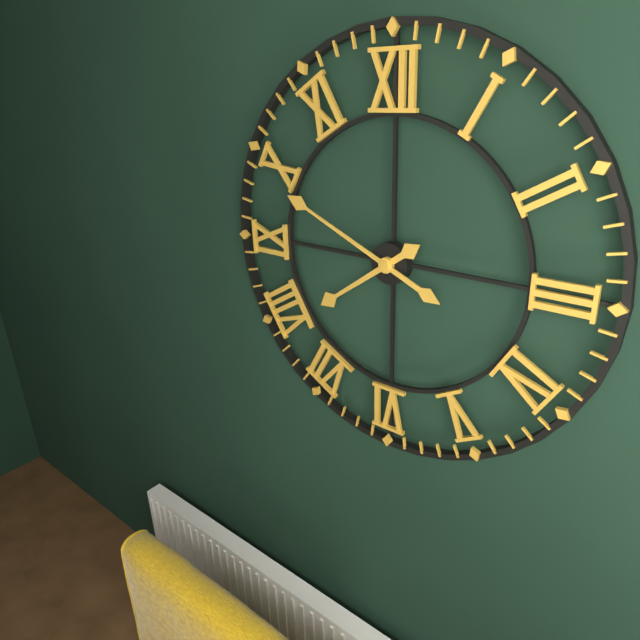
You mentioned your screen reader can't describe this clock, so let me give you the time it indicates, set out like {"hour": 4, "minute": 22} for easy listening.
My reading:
{"hour": 7, "minute": 49}
